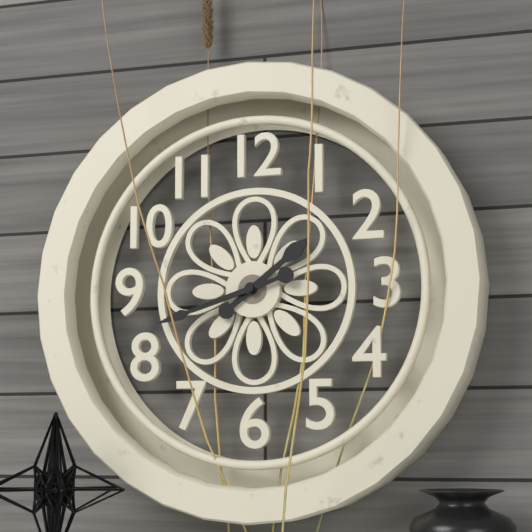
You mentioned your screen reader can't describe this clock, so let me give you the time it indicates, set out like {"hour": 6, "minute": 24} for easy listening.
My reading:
{"hour": 1, "minute": 42}
